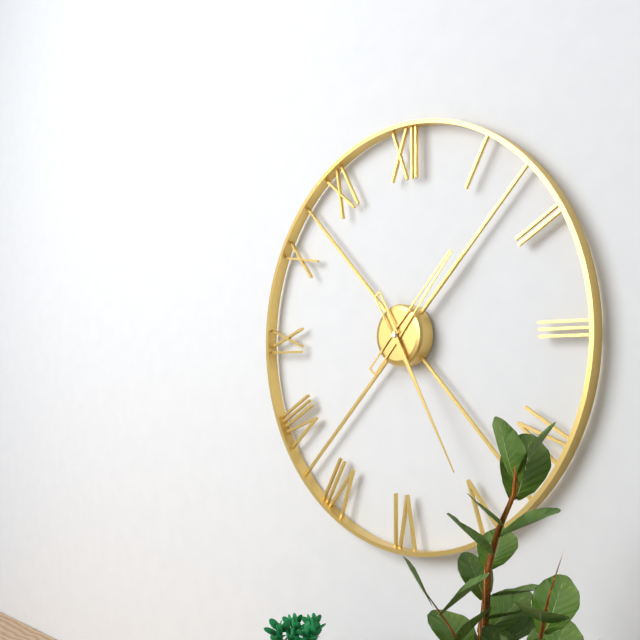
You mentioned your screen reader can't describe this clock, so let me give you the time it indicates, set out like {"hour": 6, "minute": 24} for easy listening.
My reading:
{"hour": 1, "minute": 25}
